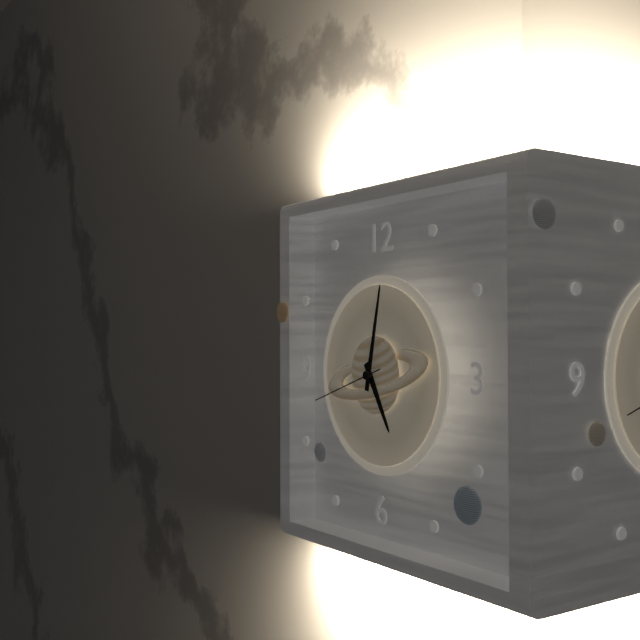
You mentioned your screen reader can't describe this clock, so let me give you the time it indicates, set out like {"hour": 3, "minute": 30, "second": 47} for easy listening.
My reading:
{"hour": 5, "minute": 2, "second": 42}
